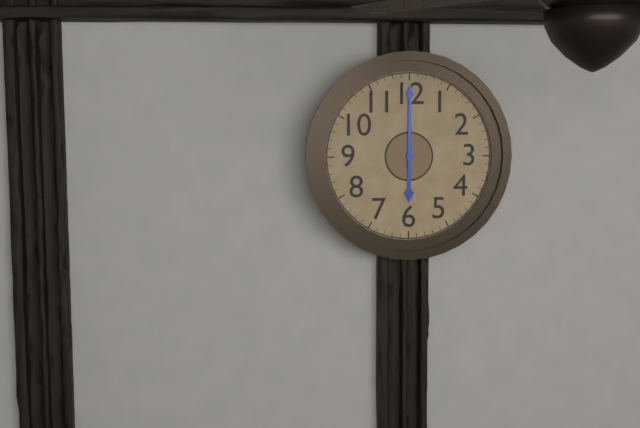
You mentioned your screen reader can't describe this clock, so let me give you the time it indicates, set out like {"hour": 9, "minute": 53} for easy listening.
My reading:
{"hour": 6, "minute": 0}
